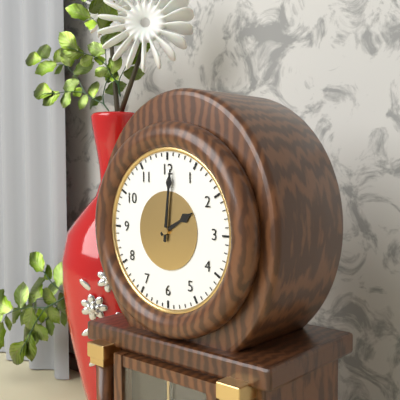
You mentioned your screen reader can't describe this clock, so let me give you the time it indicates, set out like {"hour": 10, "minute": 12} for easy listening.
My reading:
{"hour": 2, "minute": 1}
